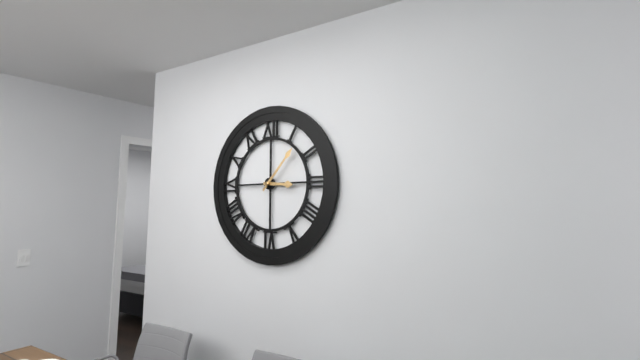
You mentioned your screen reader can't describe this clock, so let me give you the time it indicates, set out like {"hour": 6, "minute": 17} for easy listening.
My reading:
{"hour": 3, "minute": 7}
